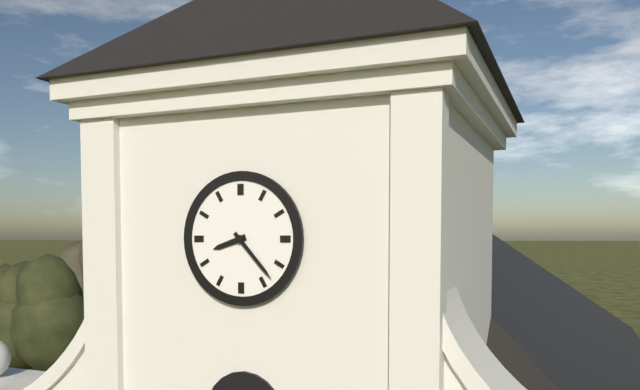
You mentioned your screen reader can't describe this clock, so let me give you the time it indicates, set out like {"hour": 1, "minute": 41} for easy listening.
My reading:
{"hour": 8, "minute": 23}
